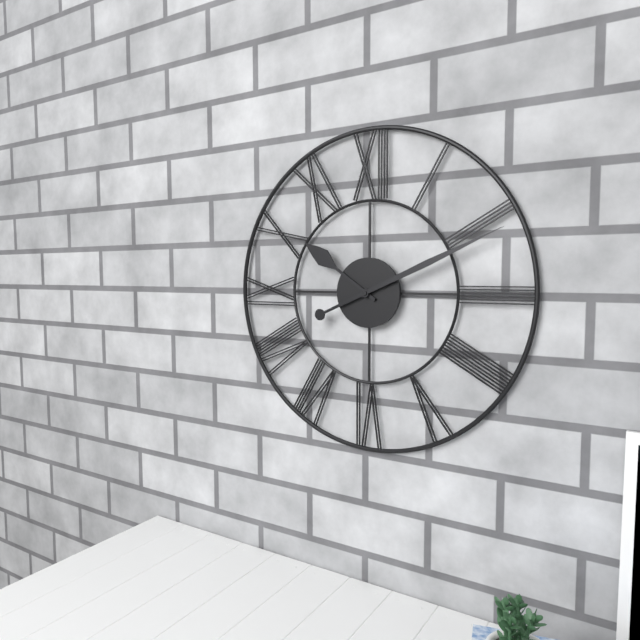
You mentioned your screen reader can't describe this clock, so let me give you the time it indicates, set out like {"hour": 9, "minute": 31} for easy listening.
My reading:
{"hour": 10, "minute": 11}
